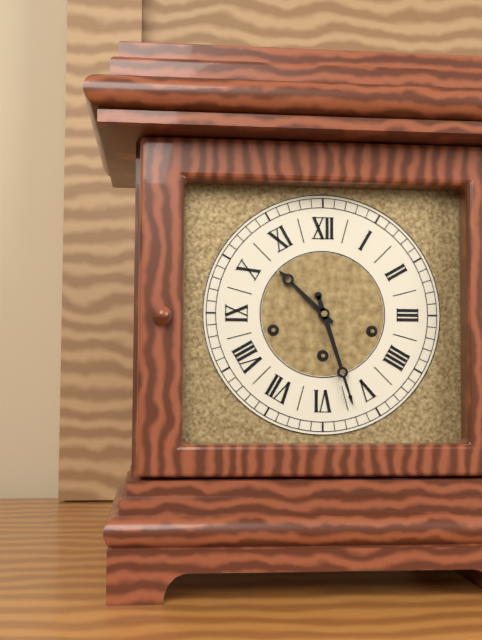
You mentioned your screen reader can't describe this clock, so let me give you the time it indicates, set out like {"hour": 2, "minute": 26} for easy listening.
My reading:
{"hour": 10, "minute": 27}
